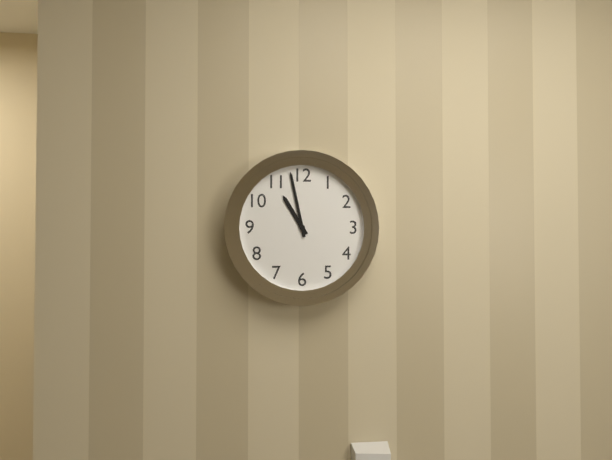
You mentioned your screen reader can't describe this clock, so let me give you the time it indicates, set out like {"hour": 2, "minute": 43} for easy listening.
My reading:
{"hour": 10, "minute": 58}
